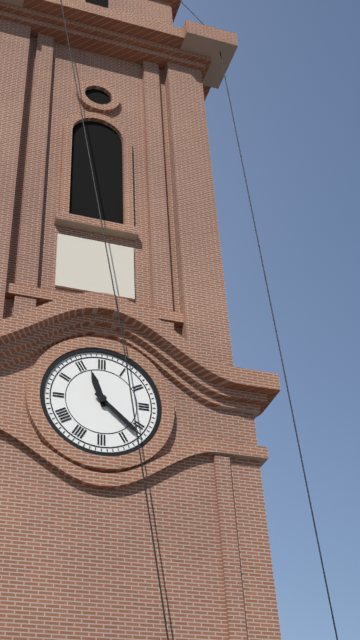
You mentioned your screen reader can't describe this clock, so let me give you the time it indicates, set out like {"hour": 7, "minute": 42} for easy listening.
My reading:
{"hour": 11, "minute": 22}
